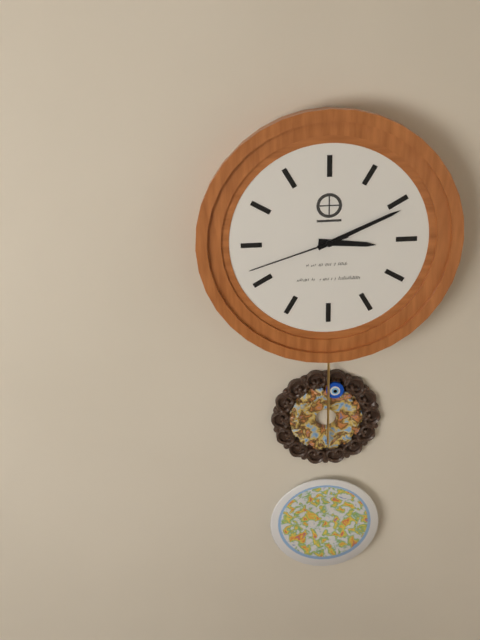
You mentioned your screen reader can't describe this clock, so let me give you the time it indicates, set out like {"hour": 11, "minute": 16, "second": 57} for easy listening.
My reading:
{"hour": 3, "minute": 11, "second": 42}
